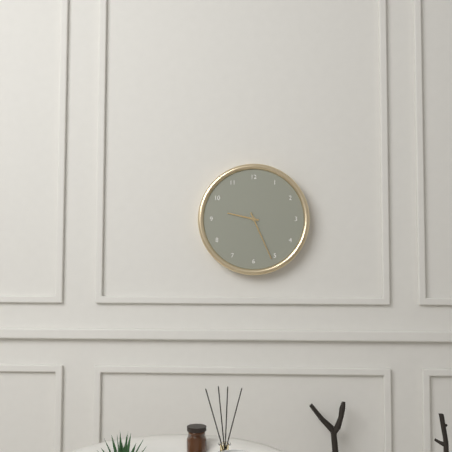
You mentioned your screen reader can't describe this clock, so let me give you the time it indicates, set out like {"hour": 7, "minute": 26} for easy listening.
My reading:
{"hour": 9, "minute": 26}
